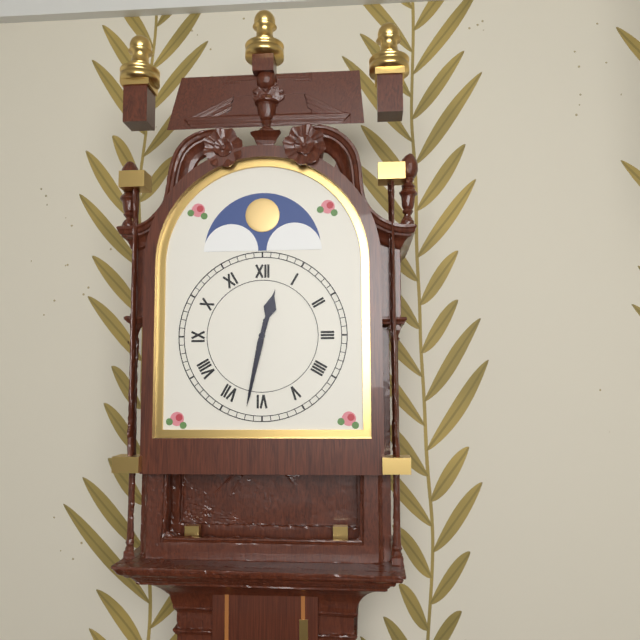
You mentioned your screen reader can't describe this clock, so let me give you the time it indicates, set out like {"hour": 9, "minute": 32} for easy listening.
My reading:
{"hour": 12, "minute": 32}
